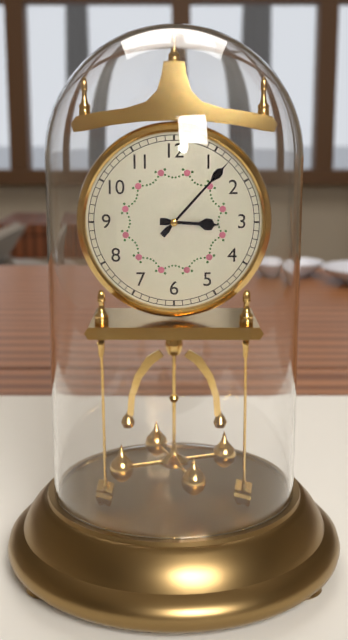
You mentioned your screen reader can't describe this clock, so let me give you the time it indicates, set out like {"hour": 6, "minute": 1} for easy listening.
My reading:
{"hour": 3, "minute": 7}
